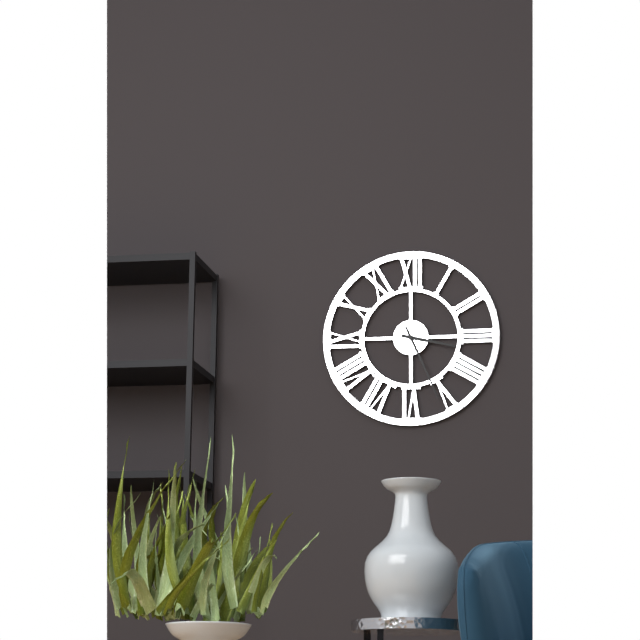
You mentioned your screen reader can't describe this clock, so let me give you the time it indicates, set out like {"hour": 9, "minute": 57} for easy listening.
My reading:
{"hour": 3, "minute": 26}
